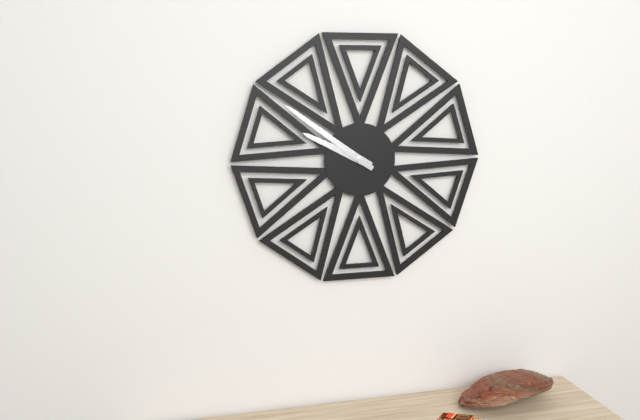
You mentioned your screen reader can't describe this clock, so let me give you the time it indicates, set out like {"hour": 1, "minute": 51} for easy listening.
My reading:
{"hour": 9, "minute": 51}
